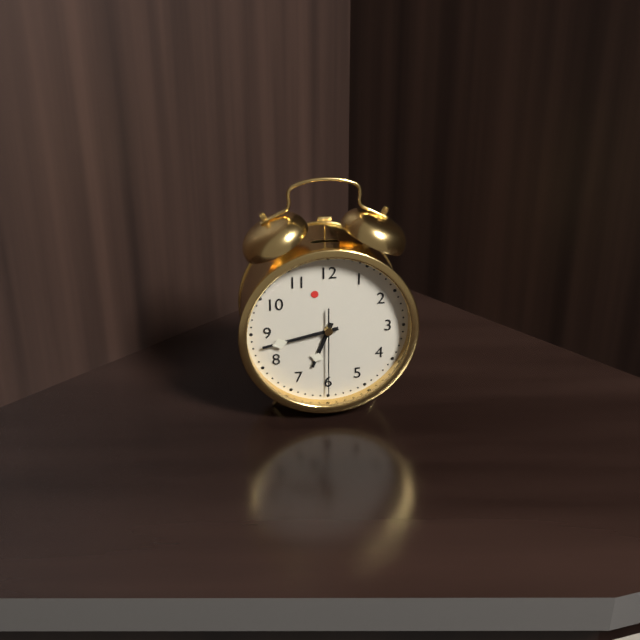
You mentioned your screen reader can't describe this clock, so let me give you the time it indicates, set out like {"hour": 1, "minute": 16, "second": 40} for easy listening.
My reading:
{"hour": 6, "minute": 43, "second": 30}
